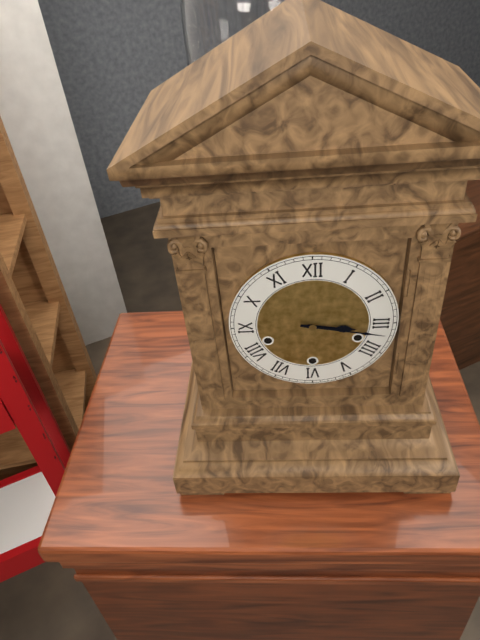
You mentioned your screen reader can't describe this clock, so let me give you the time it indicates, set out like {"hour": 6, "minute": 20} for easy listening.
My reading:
{"hour": 3, "minute": 17}
